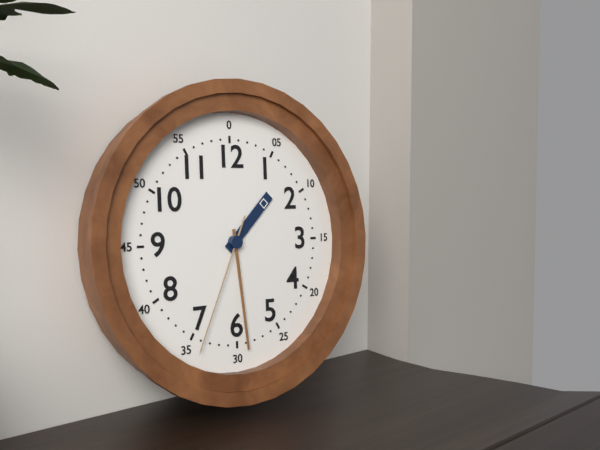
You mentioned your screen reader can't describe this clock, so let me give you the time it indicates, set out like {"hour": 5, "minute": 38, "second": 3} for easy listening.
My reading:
{"hour": 1, "minute": 29, "second": 34}
